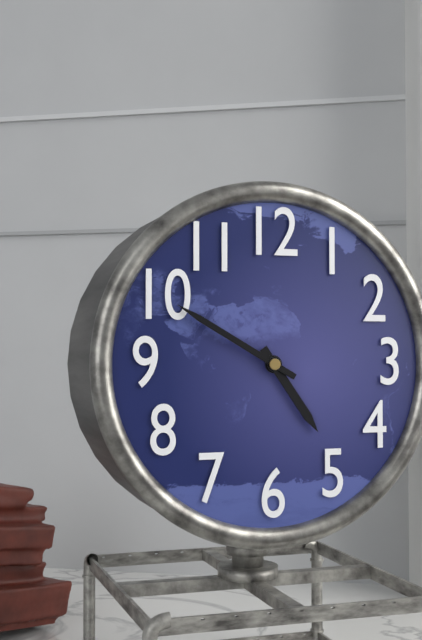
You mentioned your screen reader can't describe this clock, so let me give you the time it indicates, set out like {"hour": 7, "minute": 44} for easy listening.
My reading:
{"hour": 4, "minute": 50}
